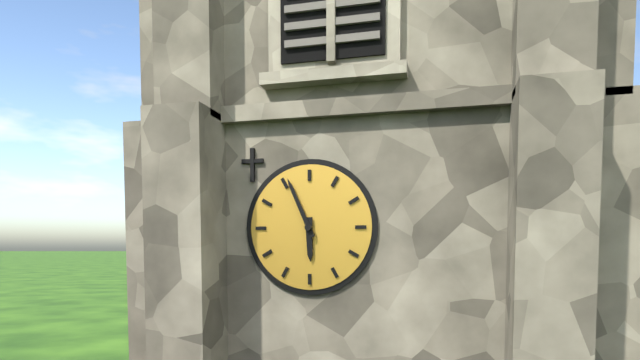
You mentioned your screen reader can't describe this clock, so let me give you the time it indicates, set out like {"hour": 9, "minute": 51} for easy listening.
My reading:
{"hour": 5, "minute": 56}
